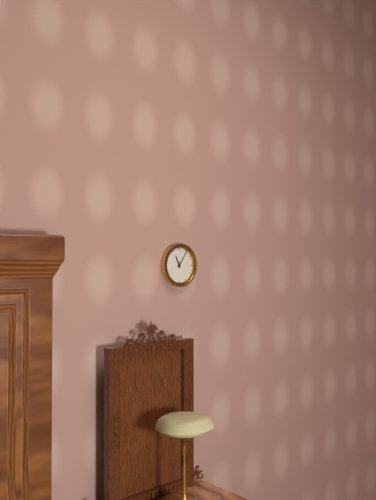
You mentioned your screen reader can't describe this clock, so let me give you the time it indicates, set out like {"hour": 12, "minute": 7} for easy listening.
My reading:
{"hour": 11, "minute": 6}
